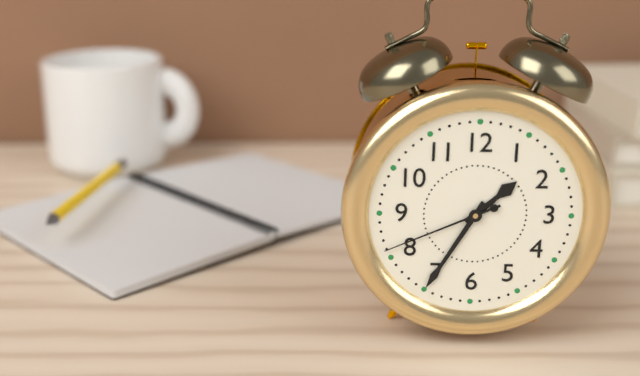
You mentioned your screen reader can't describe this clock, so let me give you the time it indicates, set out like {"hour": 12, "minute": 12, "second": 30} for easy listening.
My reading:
{"hour": 1, "minute": 35, "second": 41}
